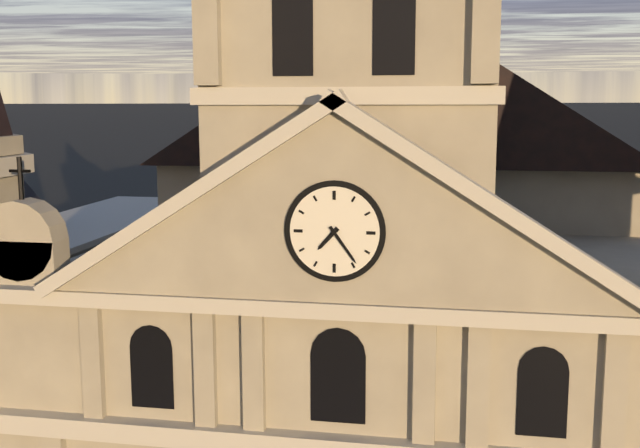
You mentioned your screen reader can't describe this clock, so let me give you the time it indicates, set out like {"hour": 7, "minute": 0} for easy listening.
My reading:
{"hour": 7, "minute": 24}
